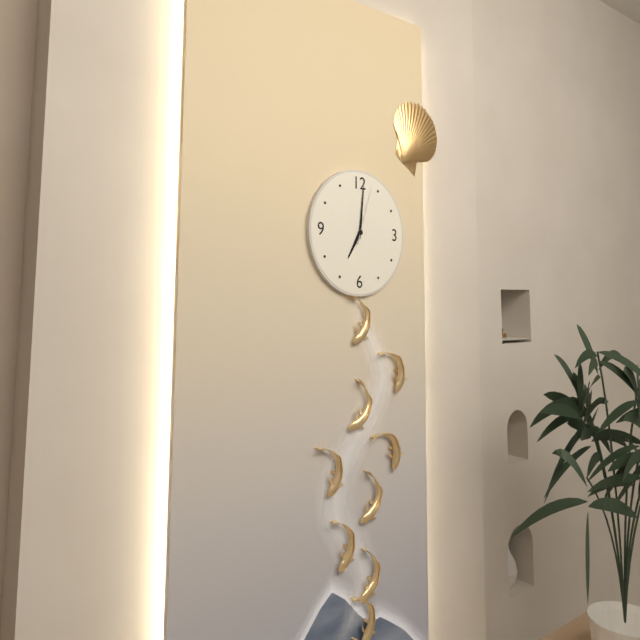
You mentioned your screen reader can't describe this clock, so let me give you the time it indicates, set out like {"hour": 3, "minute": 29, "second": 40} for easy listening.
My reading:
{"hour": 7, "minute": 1, "second": 3}
